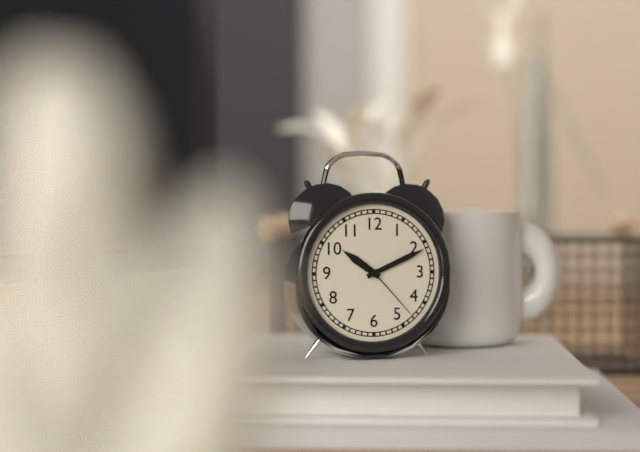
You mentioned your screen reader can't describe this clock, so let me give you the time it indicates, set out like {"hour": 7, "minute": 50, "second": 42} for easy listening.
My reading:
{"hour": 10, "minute": 11, "second": 23}
